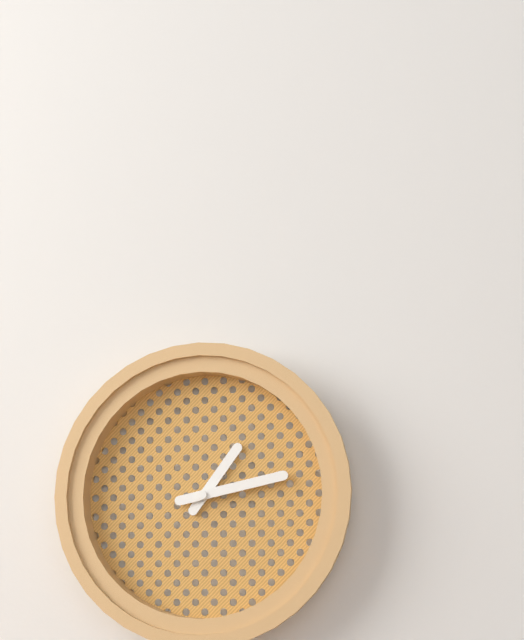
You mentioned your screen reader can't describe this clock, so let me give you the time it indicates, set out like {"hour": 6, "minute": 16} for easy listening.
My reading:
{"hour": 1, "minute": 13}
